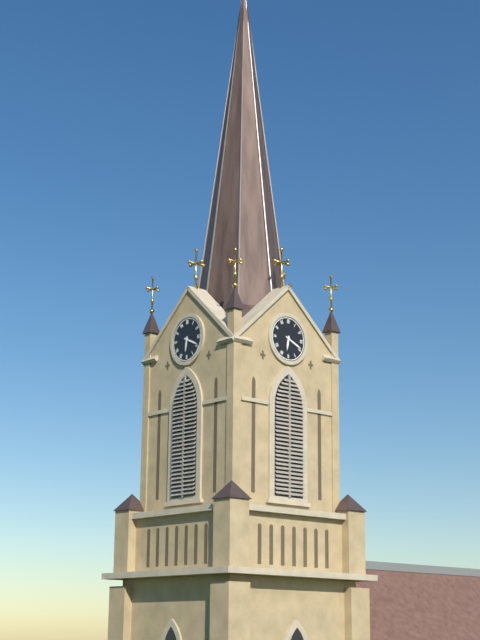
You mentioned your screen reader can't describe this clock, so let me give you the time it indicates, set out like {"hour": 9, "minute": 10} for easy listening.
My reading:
{"hour": 6, "minute": 19}
